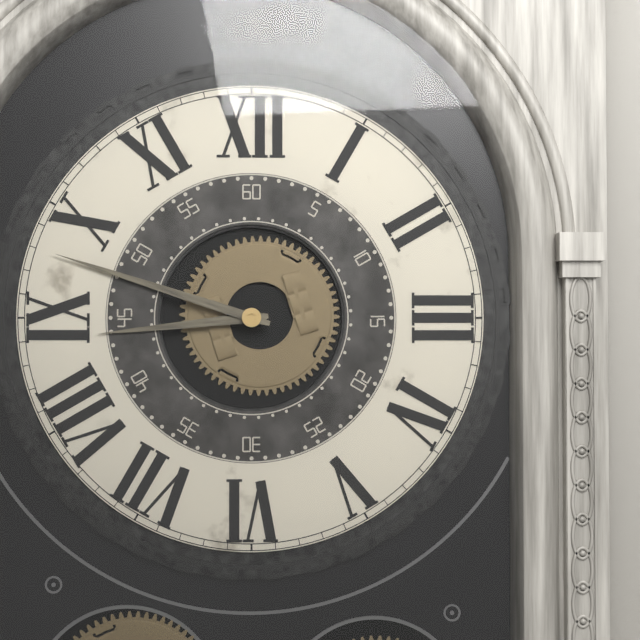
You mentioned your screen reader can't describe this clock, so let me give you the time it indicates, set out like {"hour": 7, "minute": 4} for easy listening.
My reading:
{"hour": 8, "minute": 48}
